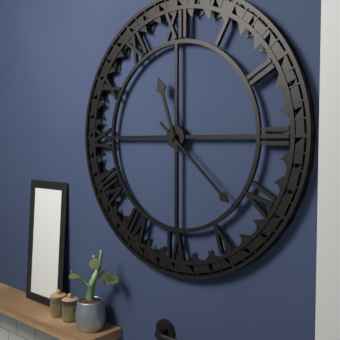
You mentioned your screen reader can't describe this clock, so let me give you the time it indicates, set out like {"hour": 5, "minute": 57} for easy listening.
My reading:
{"hour": 11, "minute": 22}
